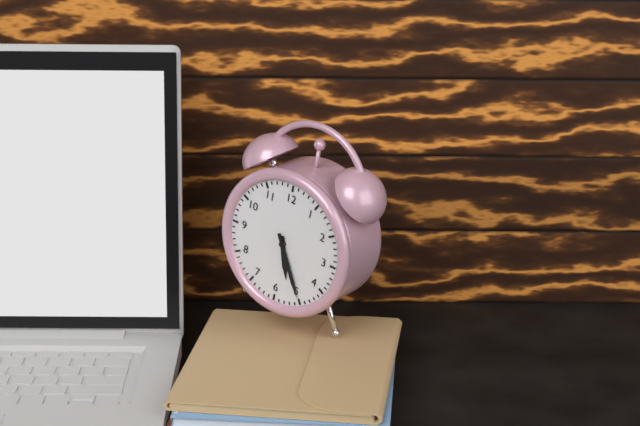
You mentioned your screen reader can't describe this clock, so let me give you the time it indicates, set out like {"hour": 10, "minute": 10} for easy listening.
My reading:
{"hour": 5, "minute": 25}
